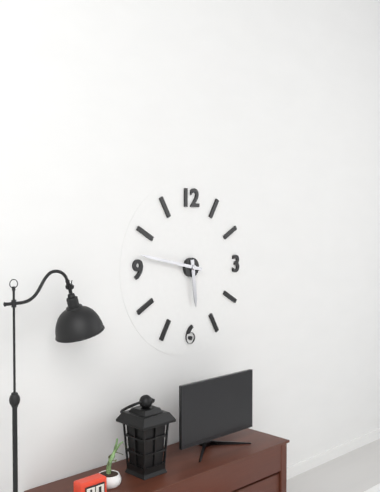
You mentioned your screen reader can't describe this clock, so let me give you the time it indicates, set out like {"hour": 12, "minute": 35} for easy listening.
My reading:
{"hour": 5, "minute": 47}
